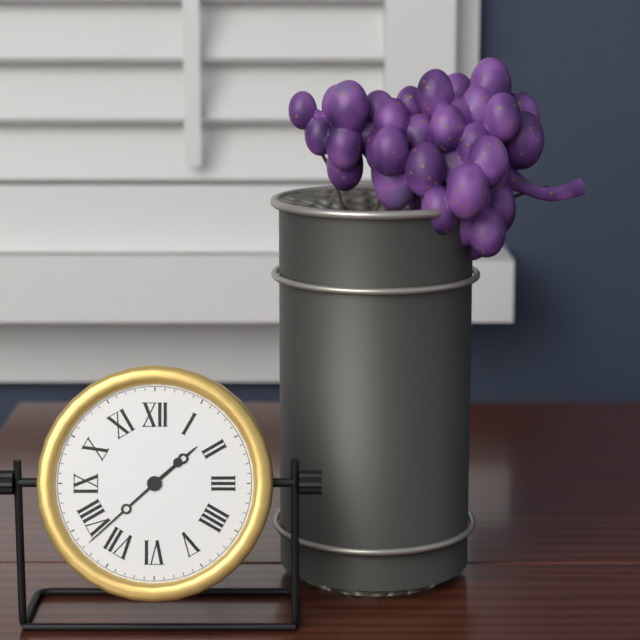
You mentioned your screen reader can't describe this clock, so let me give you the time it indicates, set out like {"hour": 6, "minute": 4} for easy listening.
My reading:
{"hour": 1, "minute": 38}
